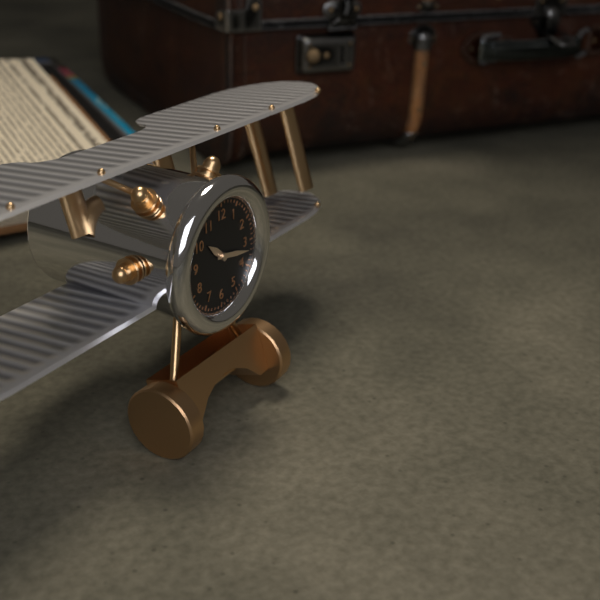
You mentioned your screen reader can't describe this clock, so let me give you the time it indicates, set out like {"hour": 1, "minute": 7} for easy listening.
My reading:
{"hour": 10, "minute": 17}
